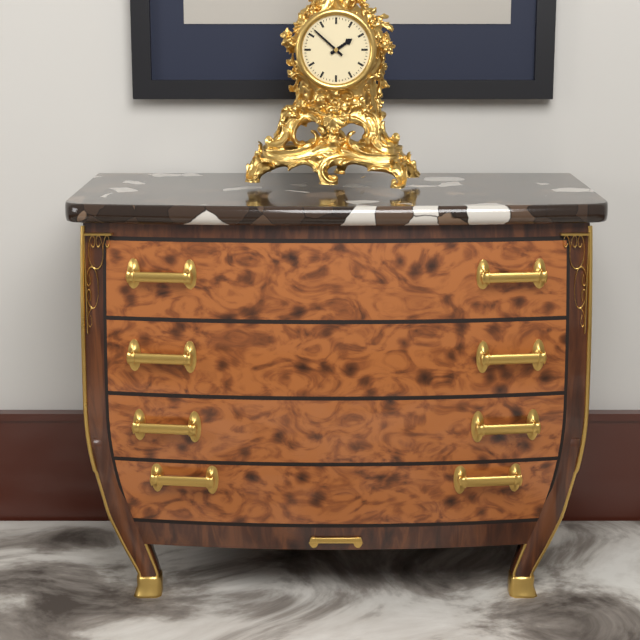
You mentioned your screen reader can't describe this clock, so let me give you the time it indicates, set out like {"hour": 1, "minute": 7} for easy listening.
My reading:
{"hour": 1, "minute": 52}
